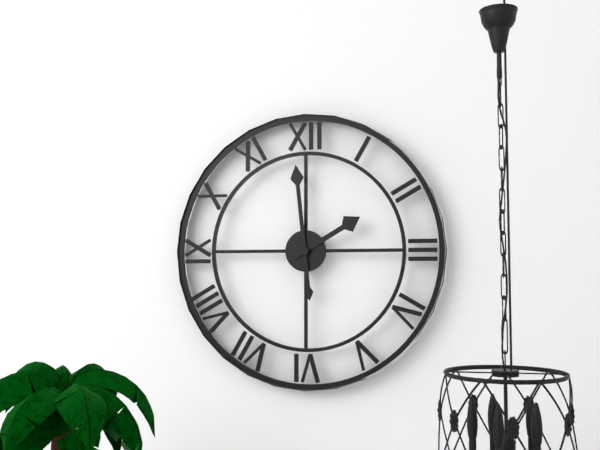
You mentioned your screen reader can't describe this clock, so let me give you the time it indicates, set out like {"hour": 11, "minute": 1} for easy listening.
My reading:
{"hour": 1, "minute": 59}
